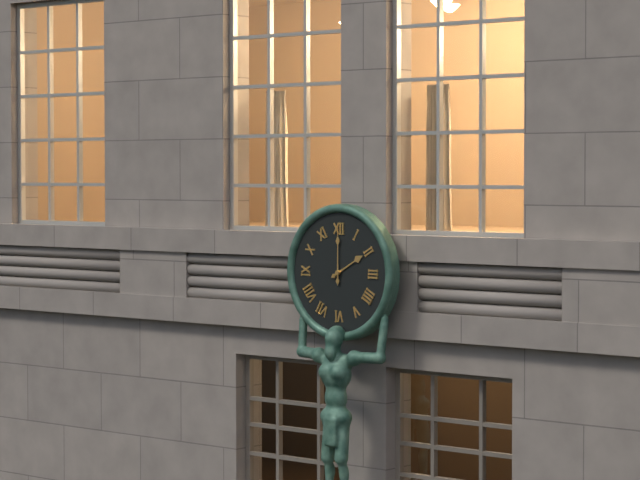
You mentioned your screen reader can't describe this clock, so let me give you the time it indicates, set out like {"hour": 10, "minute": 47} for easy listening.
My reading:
{"hour": 2, "minute": 0}
